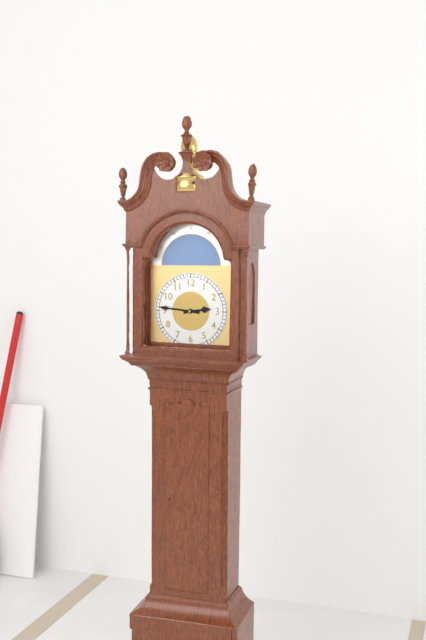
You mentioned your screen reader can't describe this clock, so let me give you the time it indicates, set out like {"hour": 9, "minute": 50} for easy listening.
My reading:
{"hour": 2, "minute": 46}
